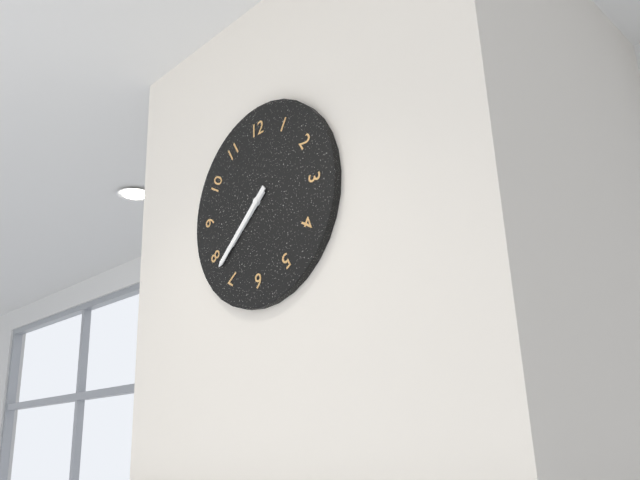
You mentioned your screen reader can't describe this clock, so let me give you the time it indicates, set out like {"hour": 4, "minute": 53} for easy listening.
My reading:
{"hour": 7, "minute": 38}
